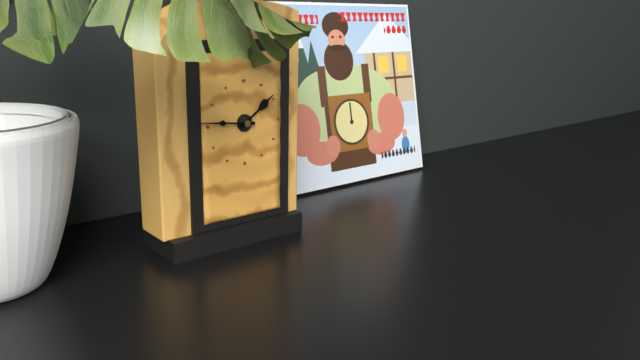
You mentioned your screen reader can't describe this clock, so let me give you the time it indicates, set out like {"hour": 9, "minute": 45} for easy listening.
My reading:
{"hour": 1, "minute": 46}
